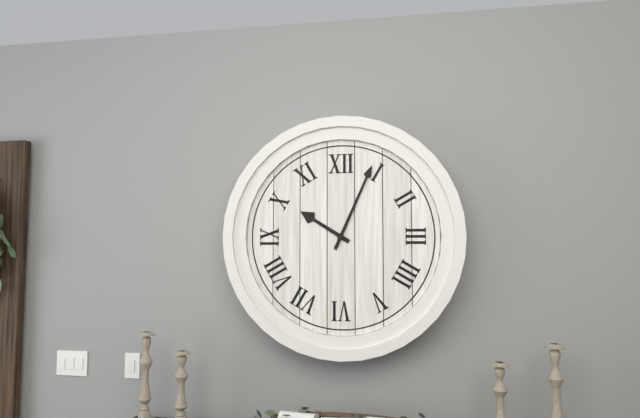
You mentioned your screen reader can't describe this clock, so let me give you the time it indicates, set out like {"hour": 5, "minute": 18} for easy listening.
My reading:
{"hour": 10, "minute": 4}
